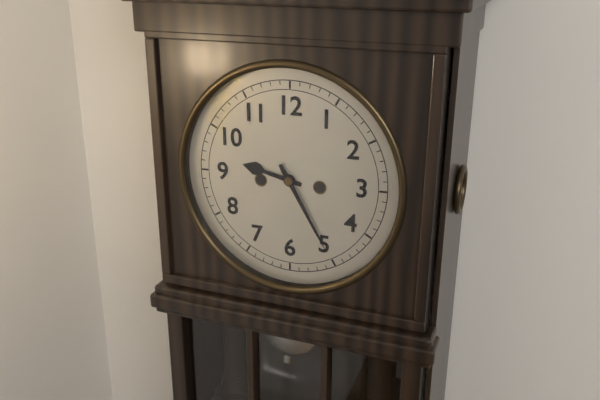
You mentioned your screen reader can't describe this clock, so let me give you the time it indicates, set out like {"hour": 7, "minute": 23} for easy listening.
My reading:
{"hour": 9, "minute": 25}
